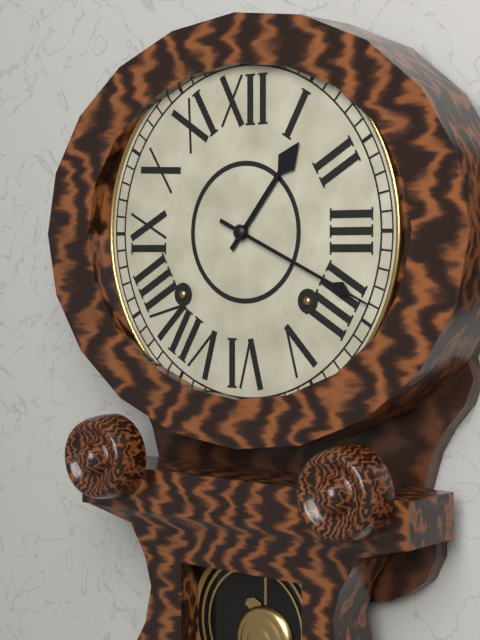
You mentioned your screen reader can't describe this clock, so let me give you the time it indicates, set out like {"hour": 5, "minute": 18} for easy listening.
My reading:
{"hour": 1, "minute": 19}
